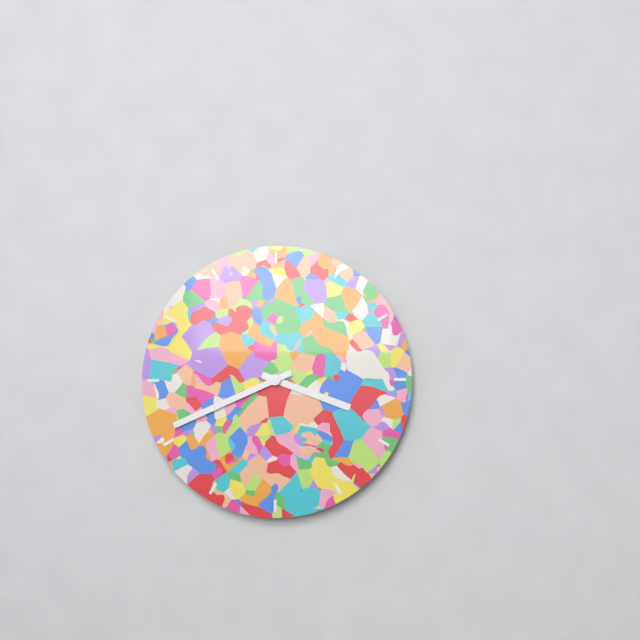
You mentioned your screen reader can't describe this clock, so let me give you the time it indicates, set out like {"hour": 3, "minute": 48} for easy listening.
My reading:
{"hour": 3, "minute": 41}
